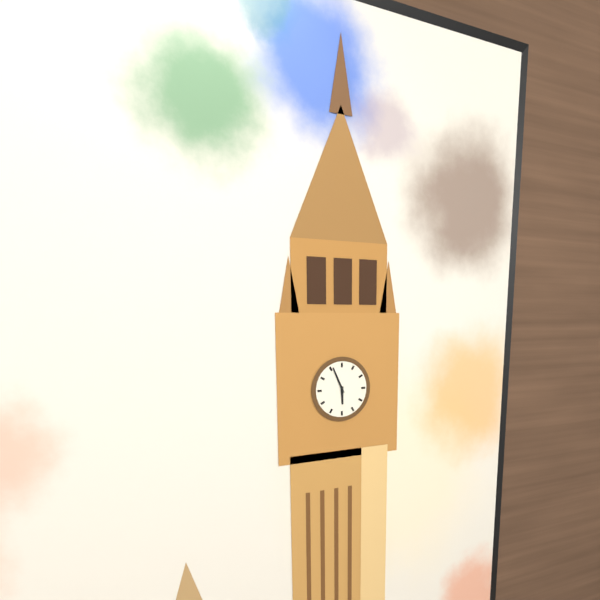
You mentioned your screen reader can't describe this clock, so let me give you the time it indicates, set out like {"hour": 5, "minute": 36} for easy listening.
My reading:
{"hour": 5, "minute": 56}
